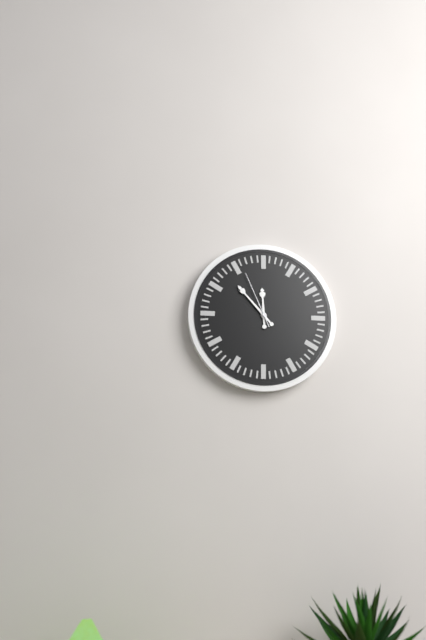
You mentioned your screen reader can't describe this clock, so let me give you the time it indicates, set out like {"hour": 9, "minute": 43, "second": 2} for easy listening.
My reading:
{"hour": 11, "minute": 53, "second": 56}
